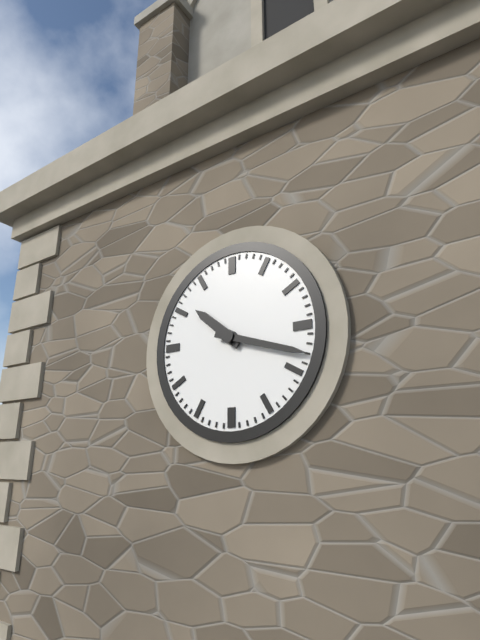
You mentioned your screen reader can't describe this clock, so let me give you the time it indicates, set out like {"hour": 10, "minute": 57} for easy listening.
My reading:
{"hour": 10, "minute": 18}
